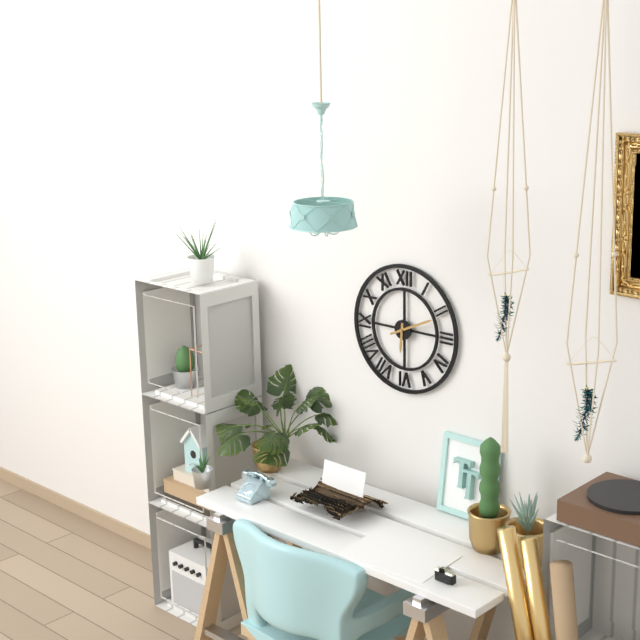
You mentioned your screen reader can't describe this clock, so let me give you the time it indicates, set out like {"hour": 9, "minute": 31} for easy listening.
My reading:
{"hour": 6, "minute": 11}
